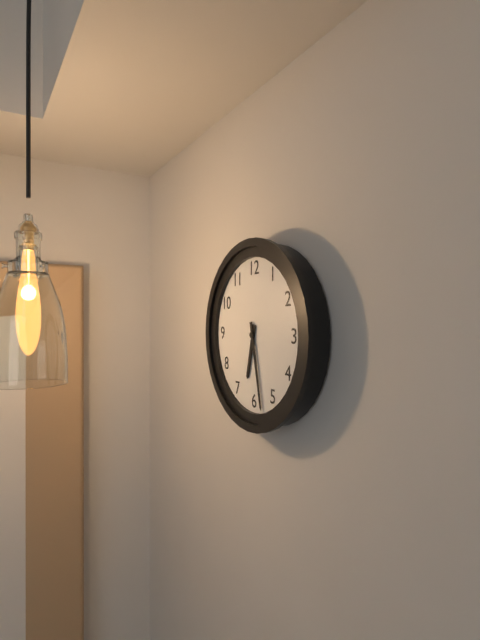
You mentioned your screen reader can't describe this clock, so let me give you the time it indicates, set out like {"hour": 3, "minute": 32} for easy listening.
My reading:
{"hour": 6, "minute": 28}
